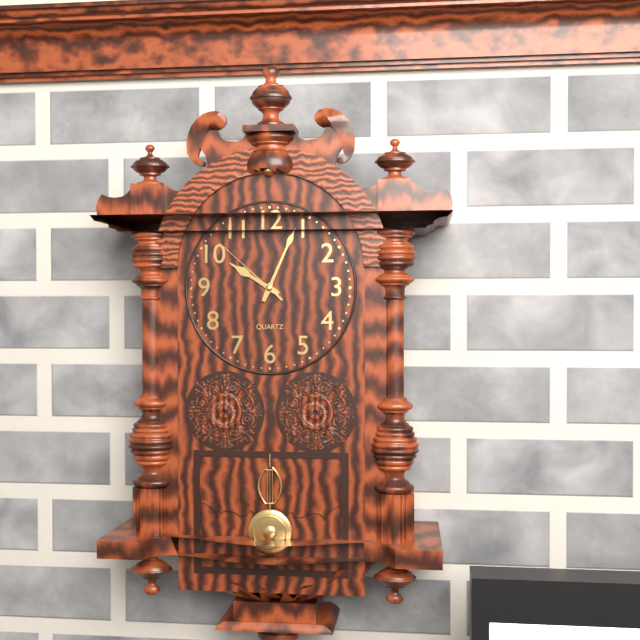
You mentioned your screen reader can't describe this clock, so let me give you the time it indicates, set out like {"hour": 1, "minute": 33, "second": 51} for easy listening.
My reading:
{"hour": 10, "minute": 4, "second": 52}
